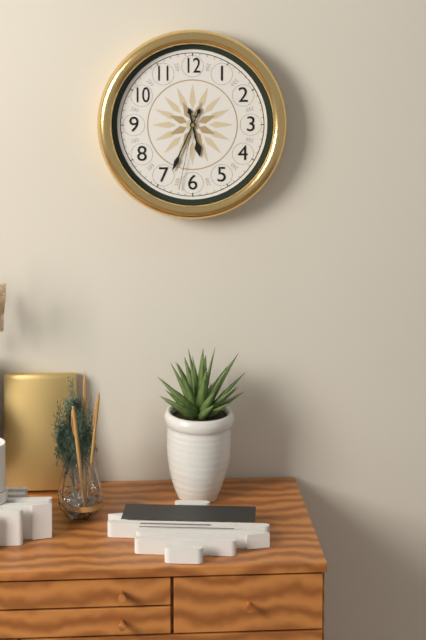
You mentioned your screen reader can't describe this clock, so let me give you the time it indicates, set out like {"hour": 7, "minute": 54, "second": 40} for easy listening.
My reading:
{"hour": 5, "minute": 34, "second": 32}
